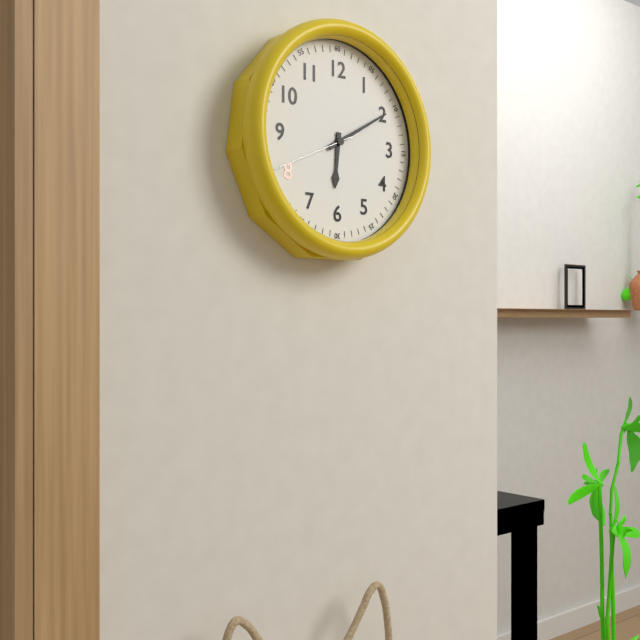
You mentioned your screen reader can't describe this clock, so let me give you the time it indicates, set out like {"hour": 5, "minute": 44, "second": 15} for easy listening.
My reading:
{"hour": 6, "minute": 10, "second": 41}
